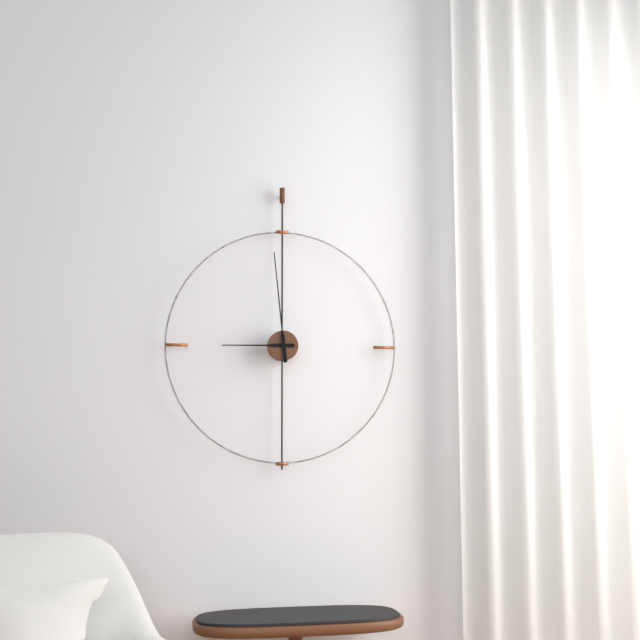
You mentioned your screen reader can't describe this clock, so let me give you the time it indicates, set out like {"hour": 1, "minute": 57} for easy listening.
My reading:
{"hour": 8, "minute": 59}
